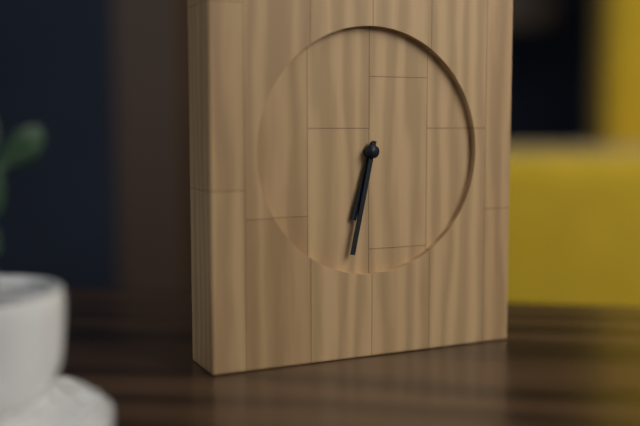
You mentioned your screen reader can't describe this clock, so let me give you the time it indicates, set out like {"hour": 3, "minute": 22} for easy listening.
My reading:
{"hour": 6, "minute": 32}
